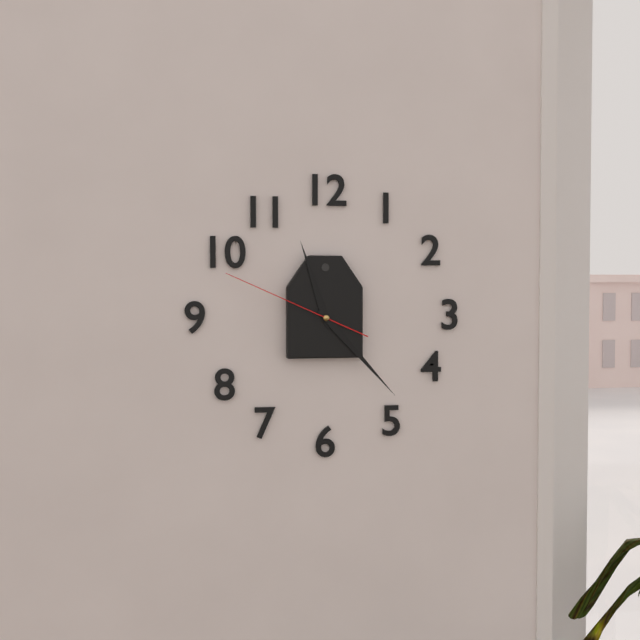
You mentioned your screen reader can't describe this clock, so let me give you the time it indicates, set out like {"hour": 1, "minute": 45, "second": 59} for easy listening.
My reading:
{"hour": 11, "minute": 23, "second": 49}
